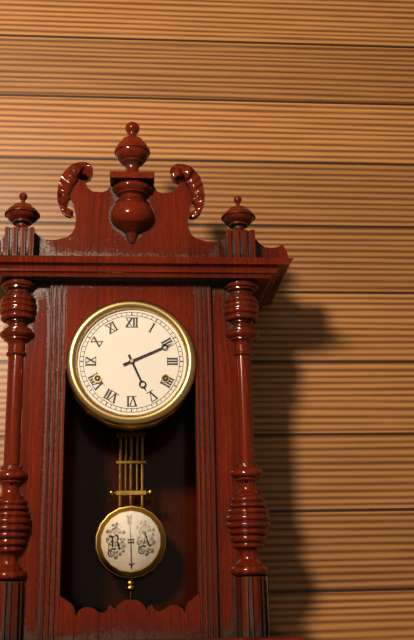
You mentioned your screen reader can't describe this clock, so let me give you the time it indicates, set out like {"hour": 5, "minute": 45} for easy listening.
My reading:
{"hour": 5, "minute": 11}
